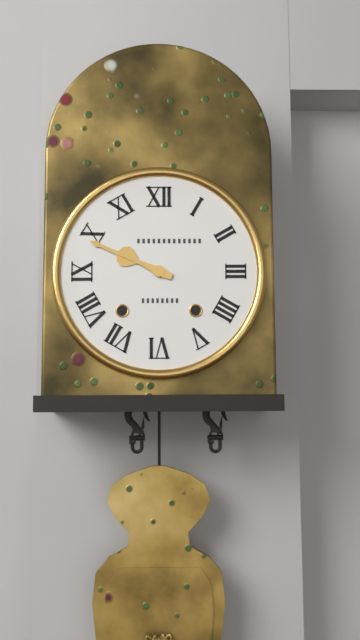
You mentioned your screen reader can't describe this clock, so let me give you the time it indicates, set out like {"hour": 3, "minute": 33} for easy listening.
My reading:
{"hour": 9, "minute": 49}
